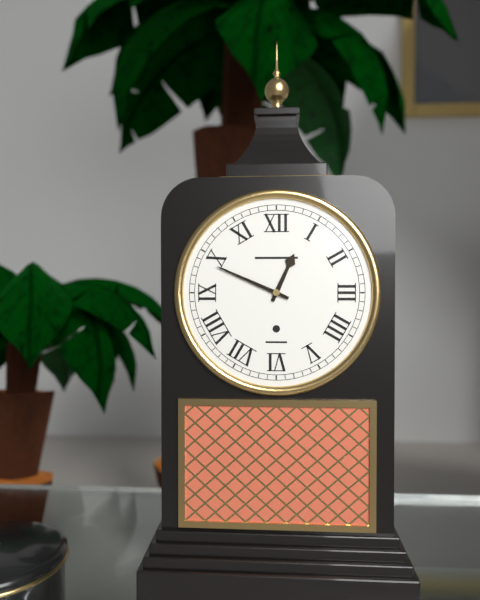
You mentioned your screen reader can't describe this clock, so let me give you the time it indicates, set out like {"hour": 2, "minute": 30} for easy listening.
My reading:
{"hour": 12, "minute": 49}
